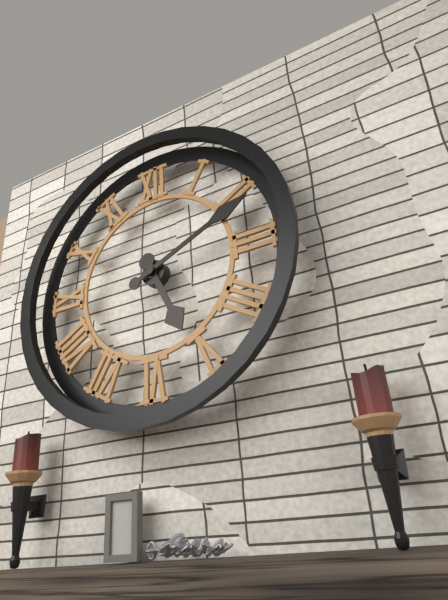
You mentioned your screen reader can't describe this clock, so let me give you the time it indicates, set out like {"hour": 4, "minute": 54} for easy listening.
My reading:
{"hour": 5, "minute": 11}
